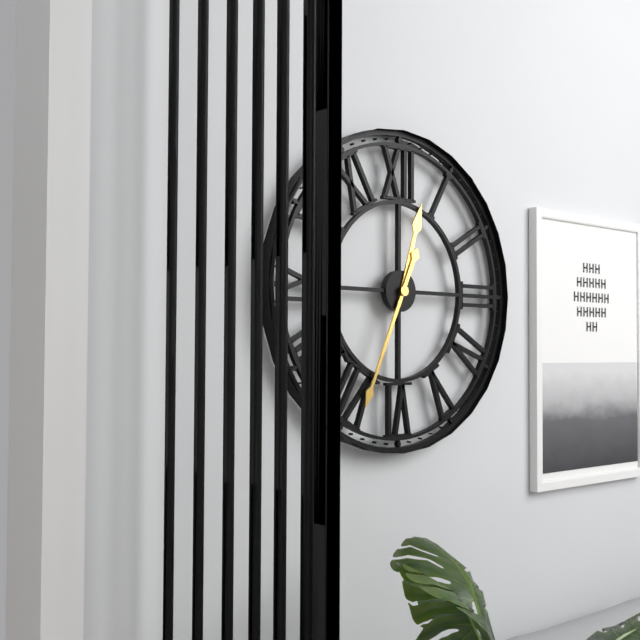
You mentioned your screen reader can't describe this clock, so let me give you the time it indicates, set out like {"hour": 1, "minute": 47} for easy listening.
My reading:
{"hour": 12, "minute": 34}
